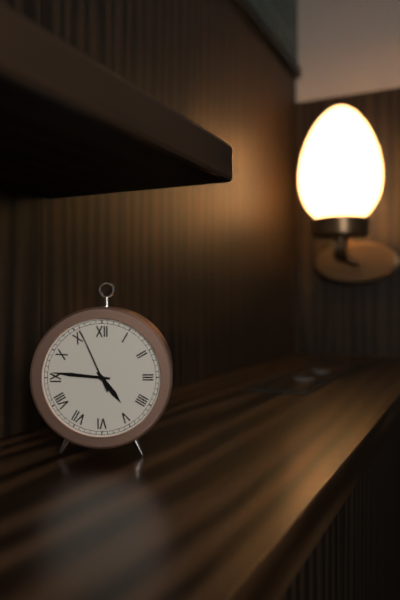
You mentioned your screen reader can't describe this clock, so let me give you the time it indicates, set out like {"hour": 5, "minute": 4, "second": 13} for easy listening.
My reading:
{"hour": 4, "minute": 46, "second": 56}
